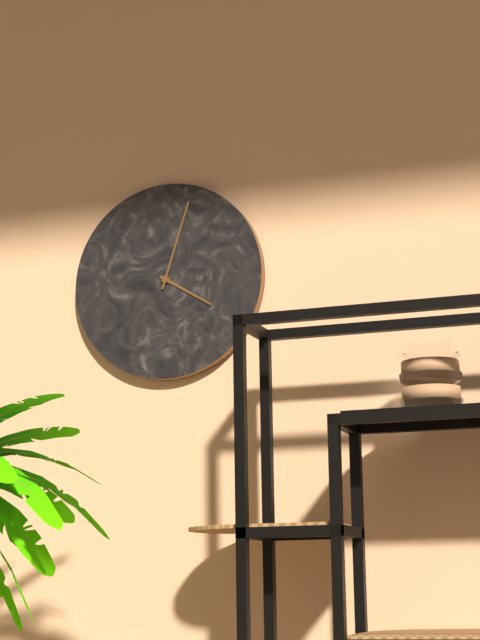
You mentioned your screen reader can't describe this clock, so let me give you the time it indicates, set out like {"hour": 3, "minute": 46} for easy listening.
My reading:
{"hour": 4, "minute": 3}
